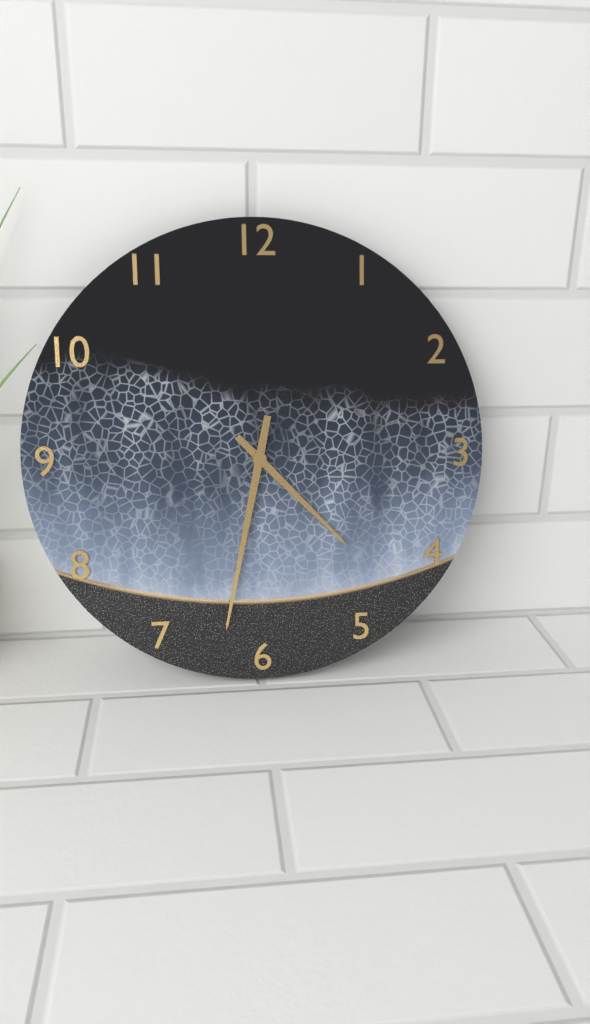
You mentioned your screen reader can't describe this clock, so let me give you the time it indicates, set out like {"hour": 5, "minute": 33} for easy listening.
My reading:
{"hour": 4, "minute": 32}
